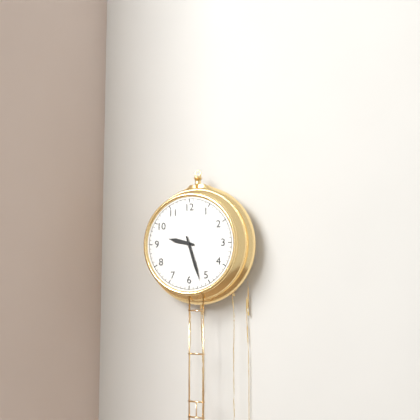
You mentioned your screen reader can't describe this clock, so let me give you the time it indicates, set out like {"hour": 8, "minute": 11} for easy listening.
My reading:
{"hour": 9, "minute": 27}
